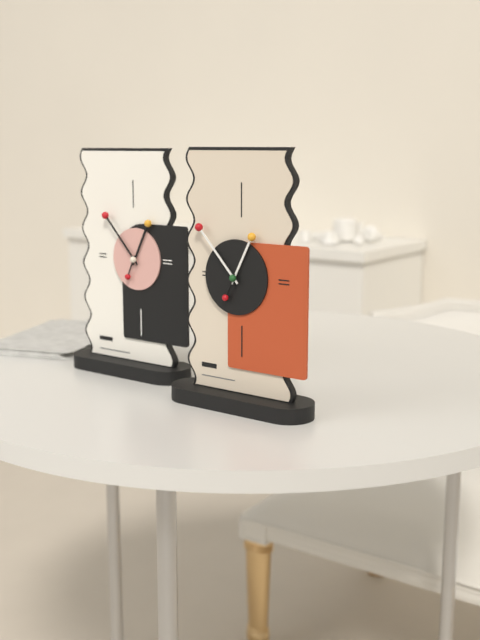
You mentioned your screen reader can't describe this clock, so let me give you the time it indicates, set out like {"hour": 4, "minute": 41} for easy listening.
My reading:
{"hour": 12, "minute": 53}
